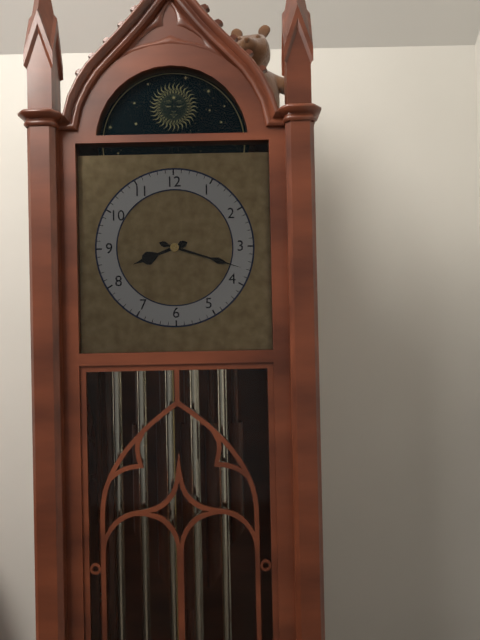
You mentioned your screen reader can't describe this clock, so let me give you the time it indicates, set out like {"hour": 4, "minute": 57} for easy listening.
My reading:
{"hour": 8, "minute": 18}
